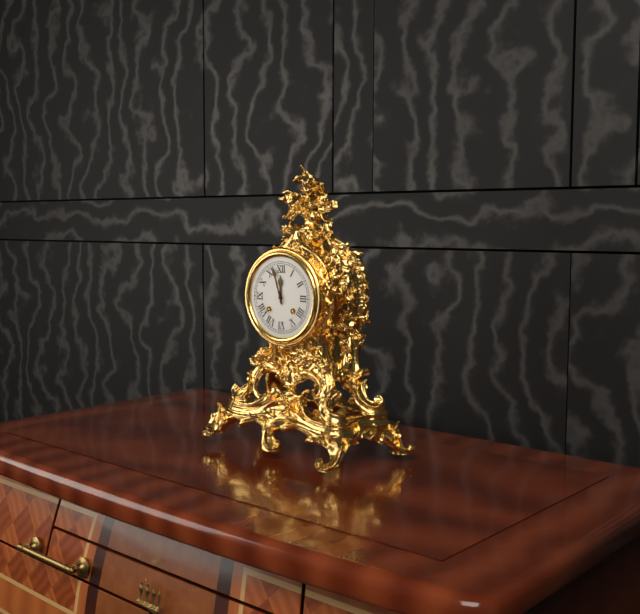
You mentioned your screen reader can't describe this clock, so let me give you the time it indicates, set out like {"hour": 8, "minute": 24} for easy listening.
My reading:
{"hour": 11, "minute": 57}
